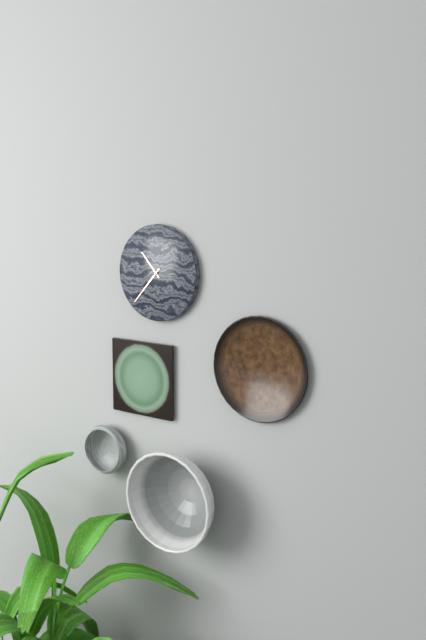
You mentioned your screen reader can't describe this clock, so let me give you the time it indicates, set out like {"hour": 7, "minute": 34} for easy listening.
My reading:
{"hour": 10, "minute": 37}
